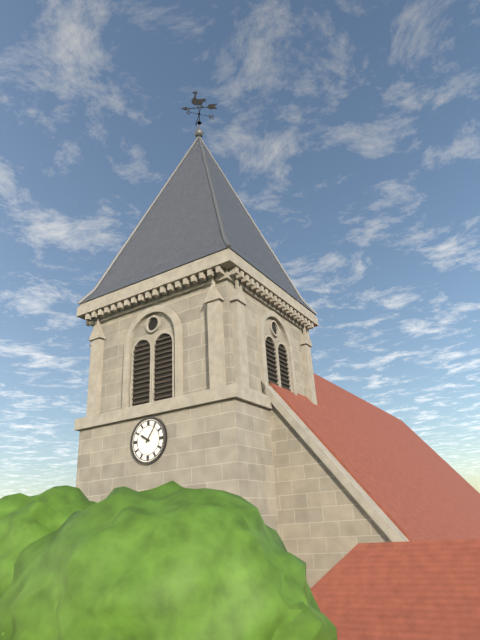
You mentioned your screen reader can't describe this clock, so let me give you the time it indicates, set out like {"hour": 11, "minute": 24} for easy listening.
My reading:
{"hour": 10, "minute": 6}
